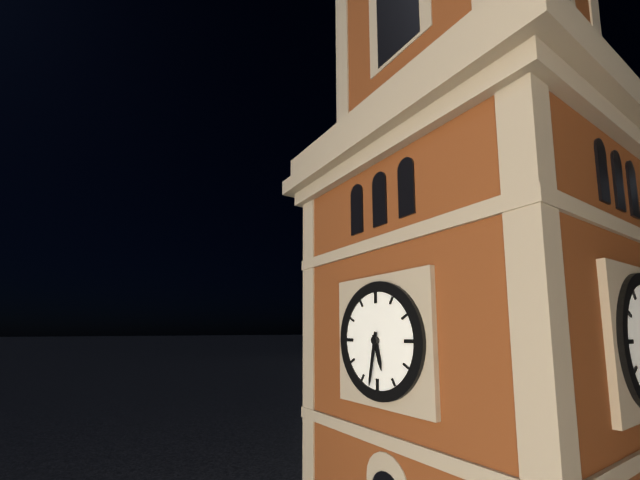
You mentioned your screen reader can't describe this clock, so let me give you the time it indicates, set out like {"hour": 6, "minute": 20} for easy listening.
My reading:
{"hour": 5, "minute": 32}
